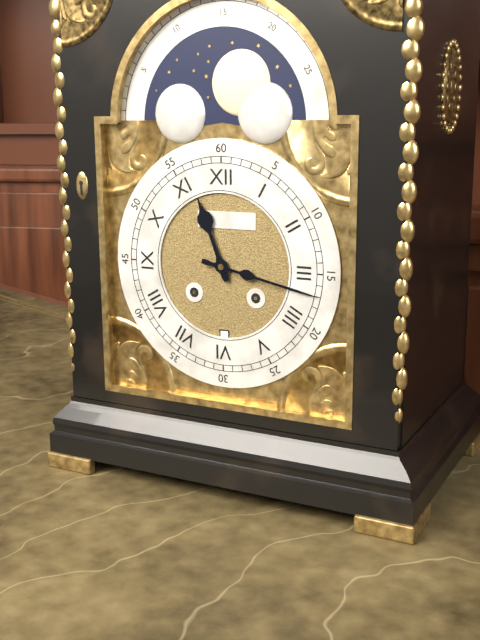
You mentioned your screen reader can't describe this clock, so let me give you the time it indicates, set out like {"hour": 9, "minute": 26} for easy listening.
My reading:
{"hour": 11, "minute": 17}
